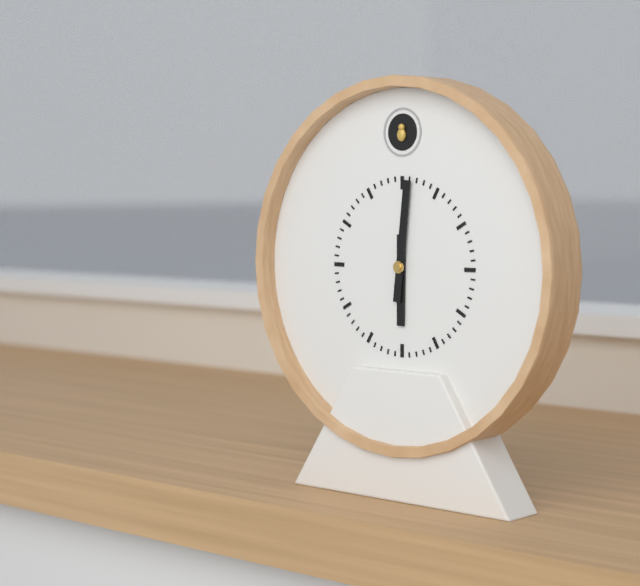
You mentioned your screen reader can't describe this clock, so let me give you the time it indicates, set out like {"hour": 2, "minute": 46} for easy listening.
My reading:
{"hour": 6, "minute": 1}
